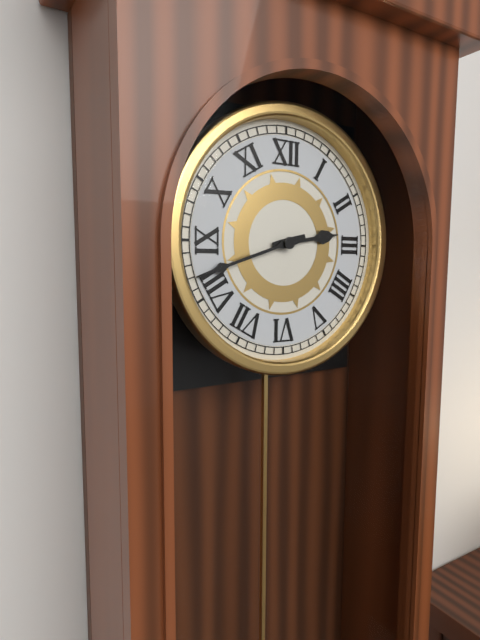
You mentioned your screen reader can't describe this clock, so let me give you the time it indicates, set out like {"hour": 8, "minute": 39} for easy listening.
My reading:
{"hour": 2, "minute": 42}
